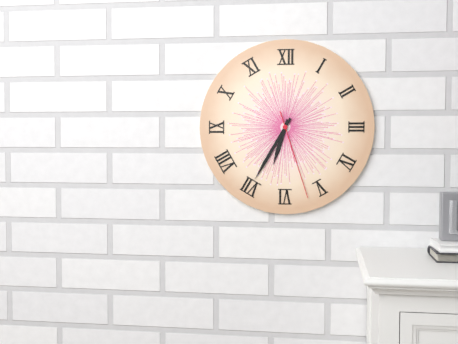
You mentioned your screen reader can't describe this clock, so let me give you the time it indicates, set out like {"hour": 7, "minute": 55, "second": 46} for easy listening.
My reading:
{"hour": 6, "minute": 35, "second": 27}
